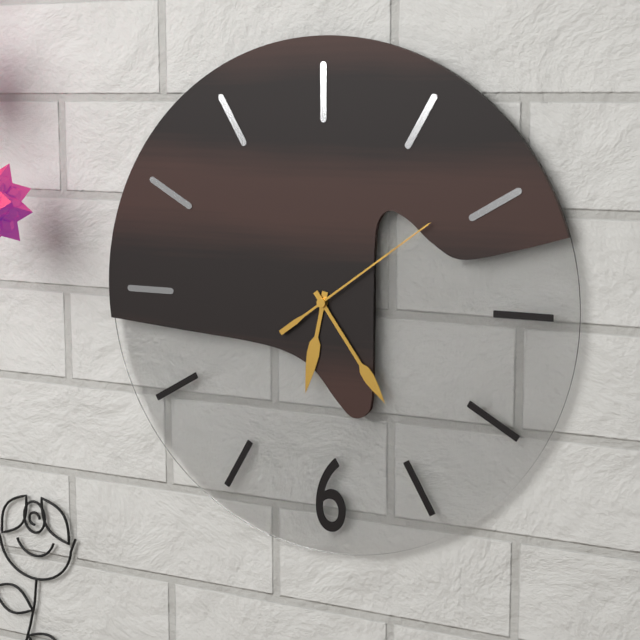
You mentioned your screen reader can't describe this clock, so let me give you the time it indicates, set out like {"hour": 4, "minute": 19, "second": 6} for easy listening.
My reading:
{"hour": 6, "minute": 24, "second": 9}
